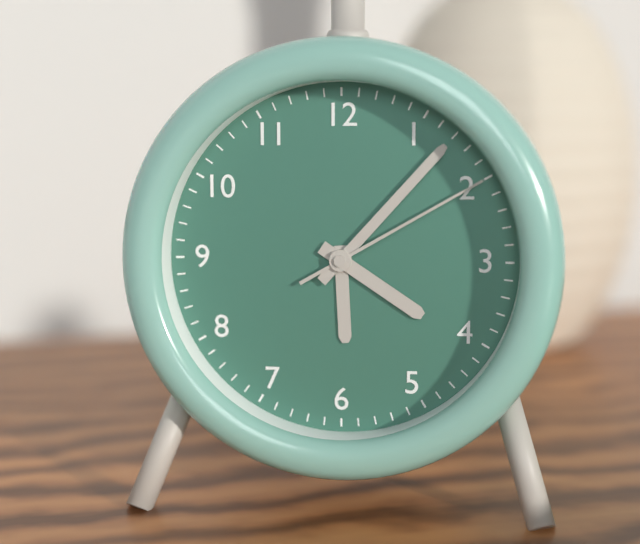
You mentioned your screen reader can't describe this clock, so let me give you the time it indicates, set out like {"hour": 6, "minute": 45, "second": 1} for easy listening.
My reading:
{"hour": 4, "minute": 7, "second": 10}
